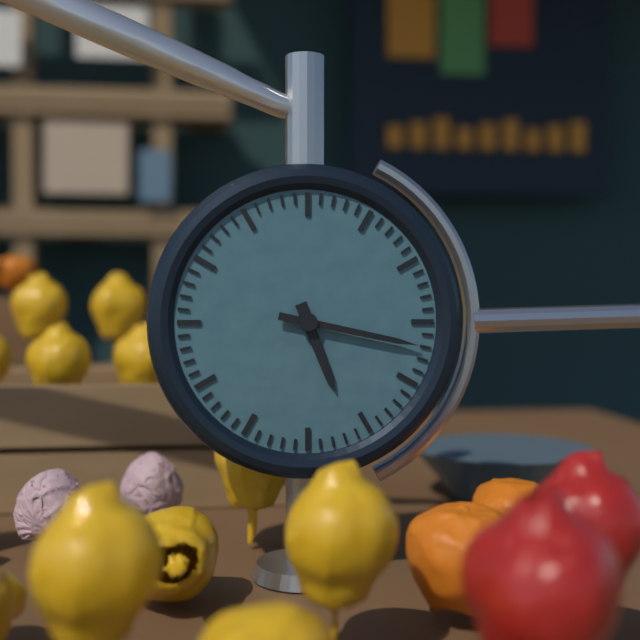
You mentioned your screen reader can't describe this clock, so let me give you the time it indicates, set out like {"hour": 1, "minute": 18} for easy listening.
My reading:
{"hour": 5, "minute": 17}
